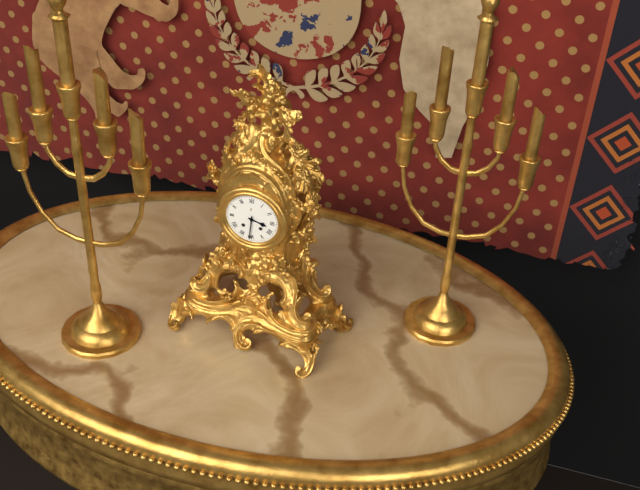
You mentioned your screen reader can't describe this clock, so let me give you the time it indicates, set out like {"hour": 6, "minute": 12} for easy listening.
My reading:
{"hour": 3, "minute": 31}
